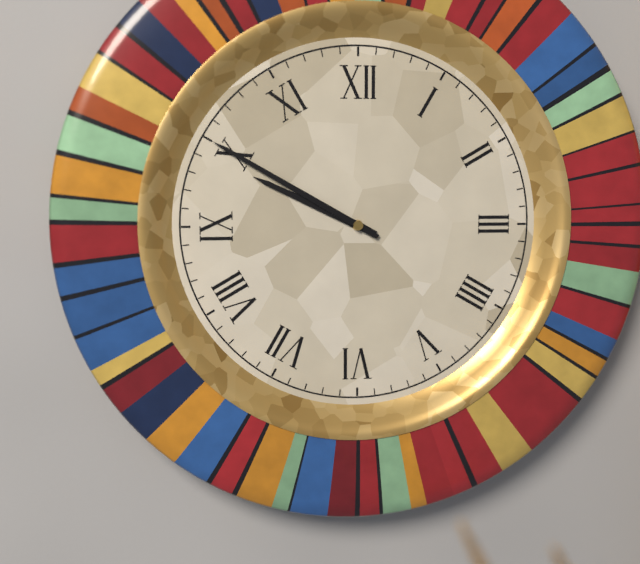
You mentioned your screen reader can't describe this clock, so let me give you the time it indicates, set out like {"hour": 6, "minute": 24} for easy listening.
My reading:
{"hour": 9, "minute": 50}
